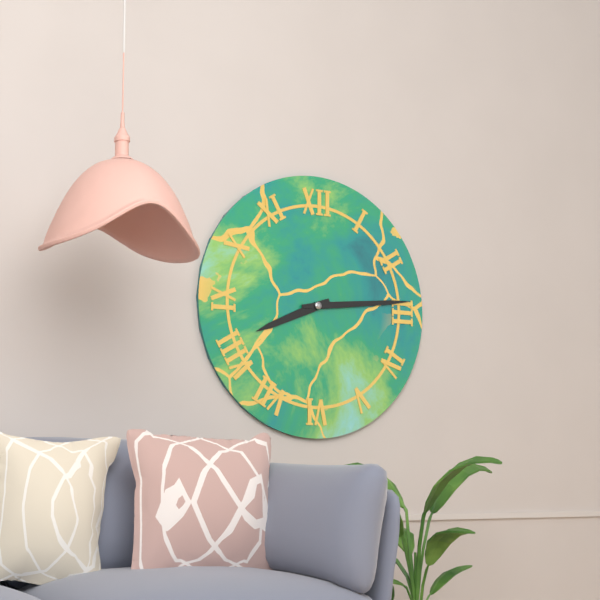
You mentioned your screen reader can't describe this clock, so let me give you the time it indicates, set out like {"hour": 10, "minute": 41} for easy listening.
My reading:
{"hour": 8, "minute": 14}
